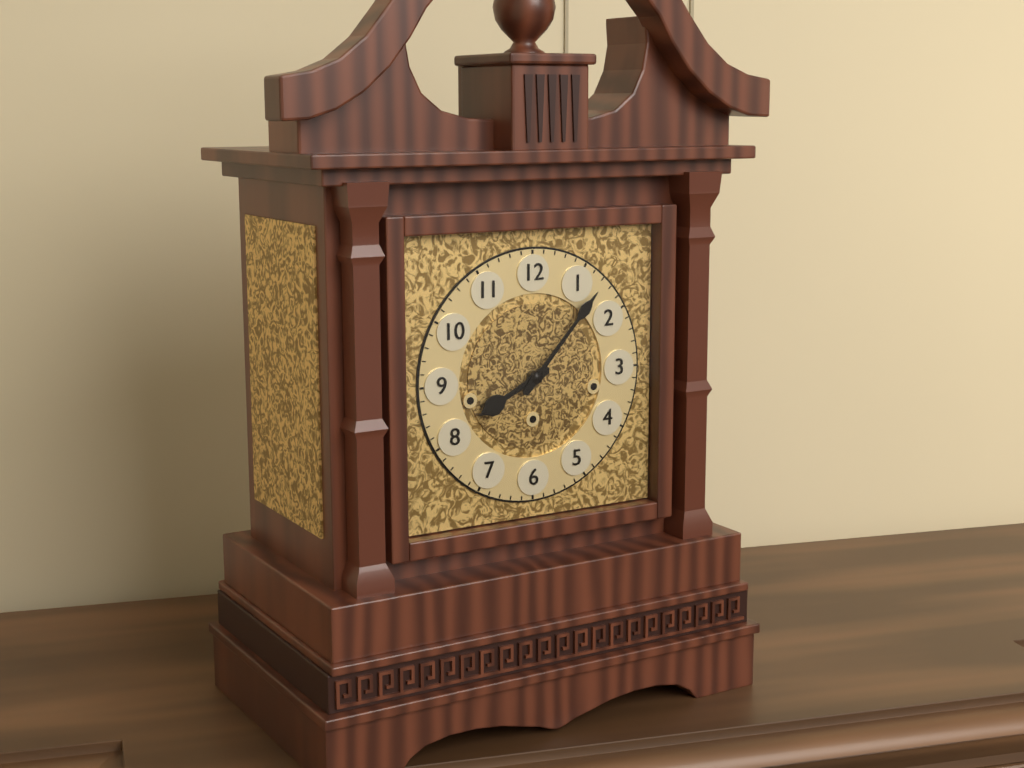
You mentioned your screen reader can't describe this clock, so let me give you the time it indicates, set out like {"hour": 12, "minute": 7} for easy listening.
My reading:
{"hour": 8, "minute": 7}
